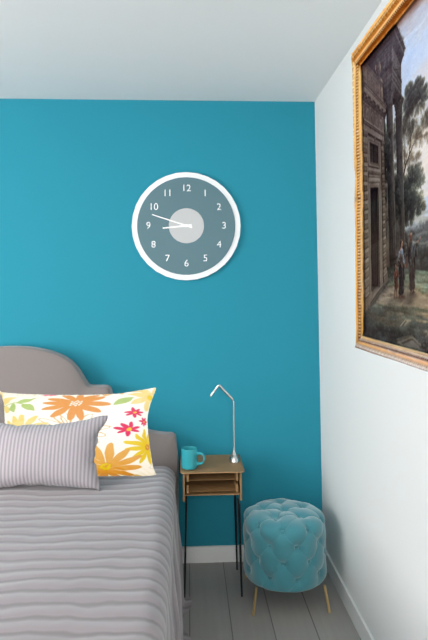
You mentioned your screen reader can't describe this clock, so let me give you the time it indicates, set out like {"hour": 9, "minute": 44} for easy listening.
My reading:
{"hour": 8, "minute": 48}
